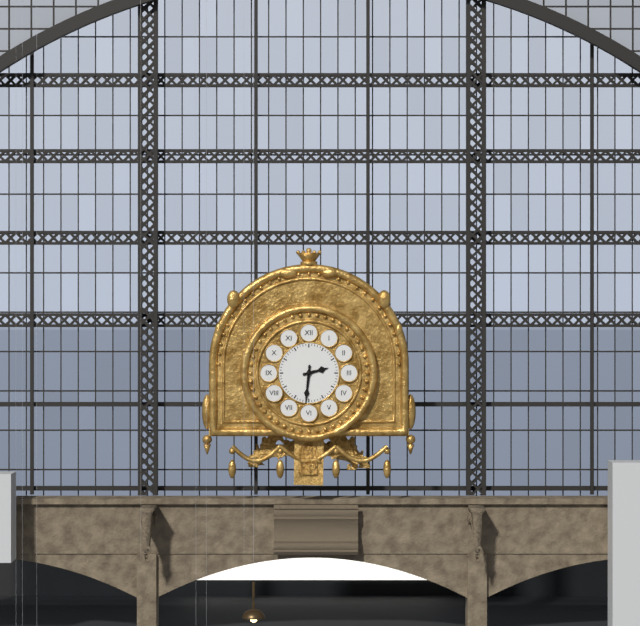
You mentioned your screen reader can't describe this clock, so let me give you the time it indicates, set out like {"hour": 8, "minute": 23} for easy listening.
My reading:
{"hour": 2, "minute": 31}
